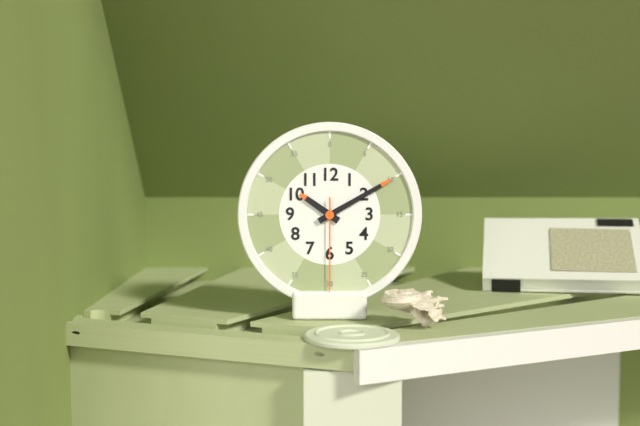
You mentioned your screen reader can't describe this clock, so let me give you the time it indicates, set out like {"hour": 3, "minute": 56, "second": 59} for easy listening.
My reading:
{"hour": 10, "minute": 10, "second": 30}
